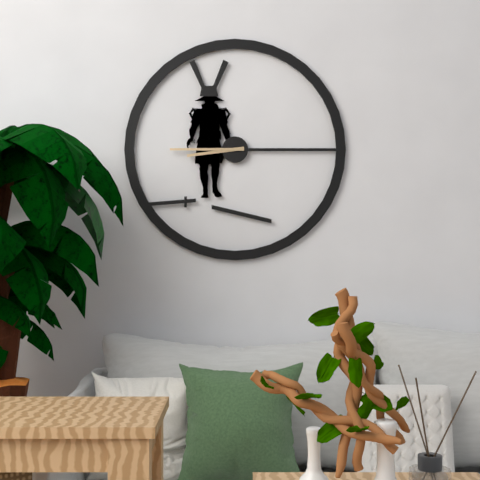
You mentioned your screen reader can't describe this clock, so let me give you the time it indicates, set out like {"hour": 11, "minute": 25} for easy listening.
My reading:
{"hour": 8, "minute": 45}
